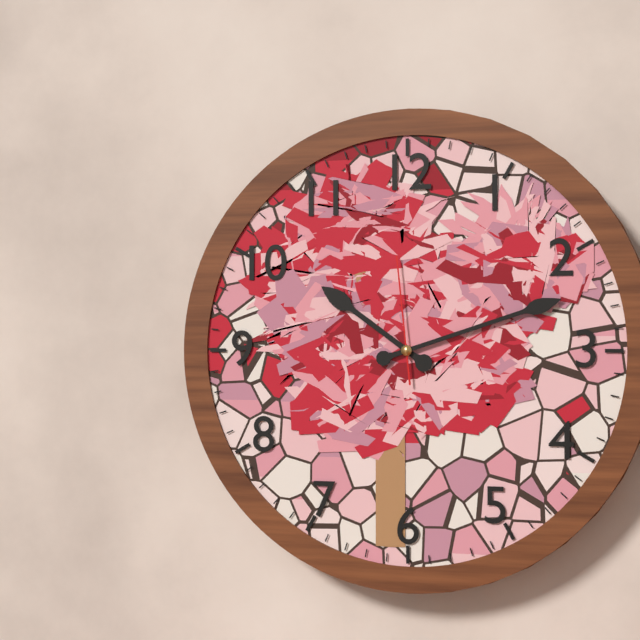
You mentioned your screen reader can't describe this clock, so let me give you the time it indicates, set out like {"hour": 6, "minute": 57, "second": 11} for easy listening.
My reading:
{"hour": 10, "minute": 12, "second": 59}
